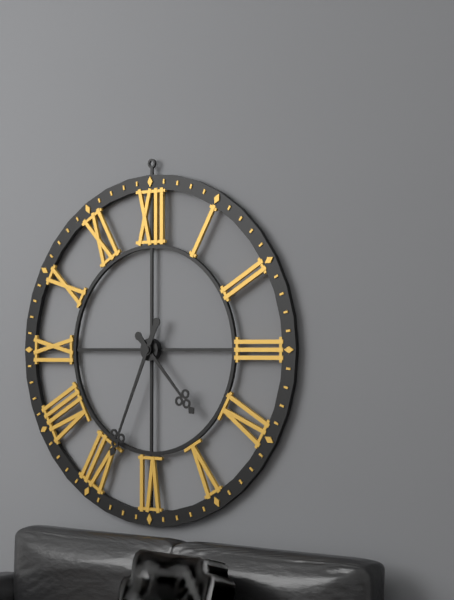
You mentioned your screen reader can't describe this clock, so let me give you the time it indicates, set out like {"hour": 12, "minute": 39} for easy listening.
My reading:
{"hour": 4, "minute": 34}
